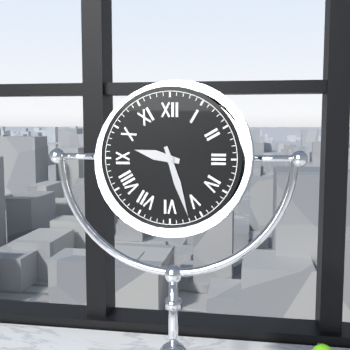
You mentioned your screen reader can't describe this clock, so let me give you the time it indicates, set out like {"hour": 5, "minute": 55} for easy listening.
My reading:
{"hour": 9, "minute": 27}
